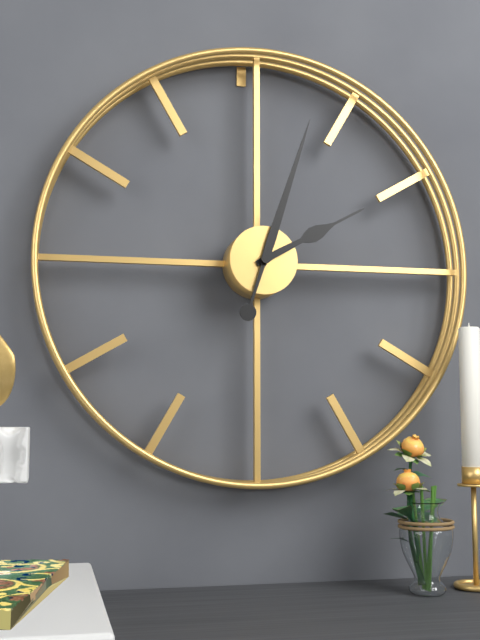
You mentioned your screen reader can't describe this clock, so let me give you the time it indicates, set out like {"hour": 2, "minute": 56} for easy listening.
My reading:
{"hour": 2, "minute": 3}
